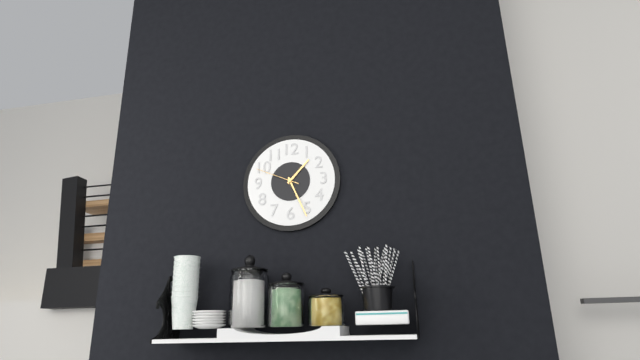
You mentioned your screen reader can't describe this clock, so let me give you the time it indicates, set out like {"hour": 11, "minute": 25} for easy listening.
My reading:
{"hour": 1, "minute": 26}
